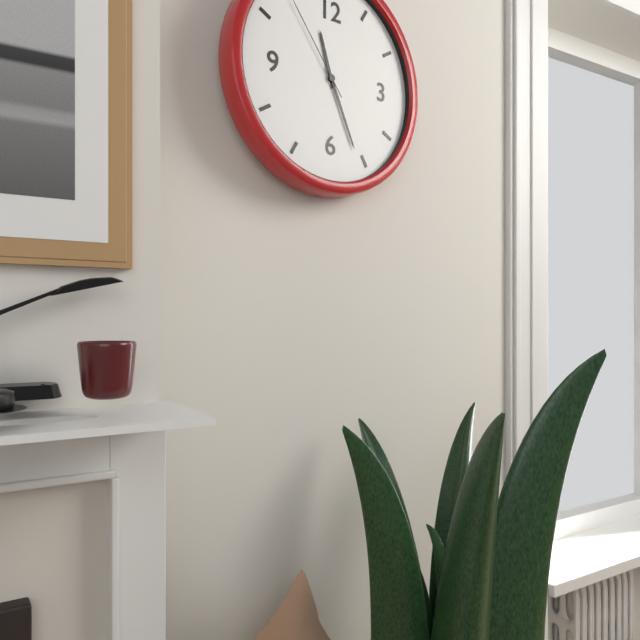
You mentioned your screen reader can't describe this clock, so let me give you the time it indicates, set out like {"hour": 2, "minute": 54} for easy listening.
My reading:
{"hour": 11, "minute": 26}
